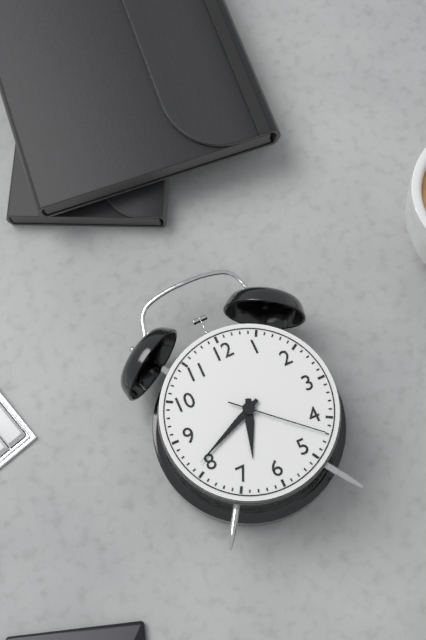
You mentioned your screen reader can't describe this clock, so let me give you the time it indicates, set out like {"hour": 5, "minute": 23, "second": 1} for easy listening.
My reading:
{"hour": 6, "minute": 41, "second": 22}
